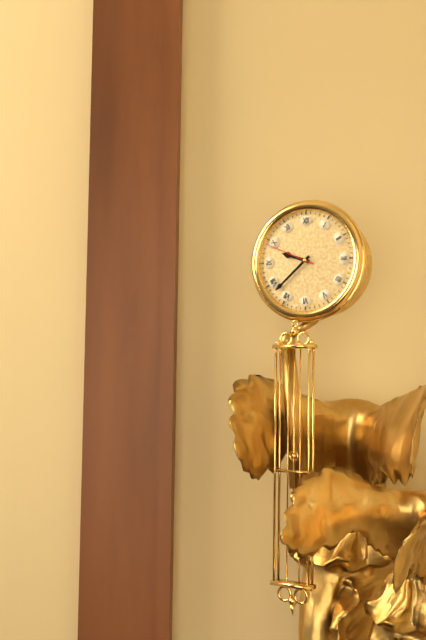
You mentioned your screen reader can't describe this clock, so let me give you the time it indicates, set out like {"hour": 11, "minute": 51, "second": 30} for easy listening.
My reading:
{"hour": 9, "minute": 38, "second": 49}
